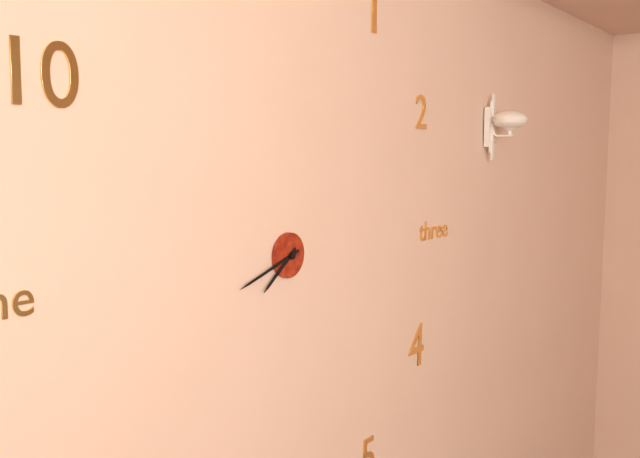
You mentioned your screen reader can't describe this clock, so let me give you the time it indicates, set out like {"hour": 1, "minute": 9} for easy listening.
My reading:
{"hour": 7, "minute": 42}
